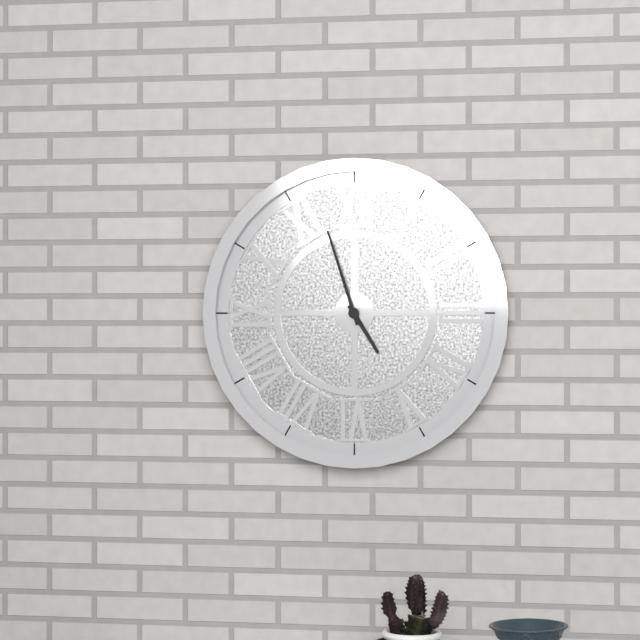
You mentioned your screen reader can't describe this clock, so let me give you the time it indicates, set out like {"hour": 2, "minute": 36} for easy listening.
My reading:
{"hour": 4, "minute": 57}
